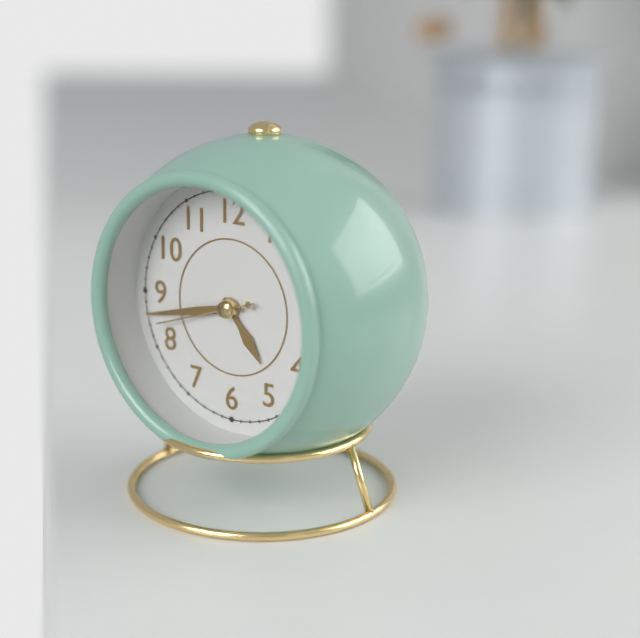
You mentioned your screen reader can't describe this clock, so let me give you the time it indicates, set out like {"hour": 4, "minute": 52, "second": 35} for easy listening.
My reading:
{"hour": 4, "minute": 43, "second": 42}
